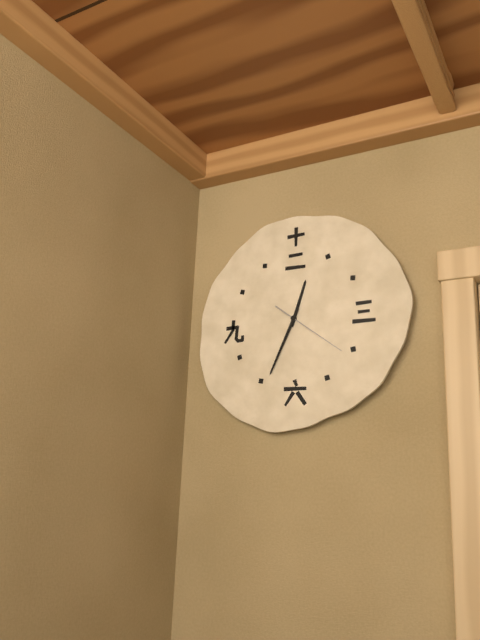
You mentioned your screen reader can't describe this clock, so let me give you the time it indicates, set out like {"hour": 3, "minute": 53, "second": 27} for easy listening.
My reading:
{"hour": 12, "minute": 34, "second": 21}
